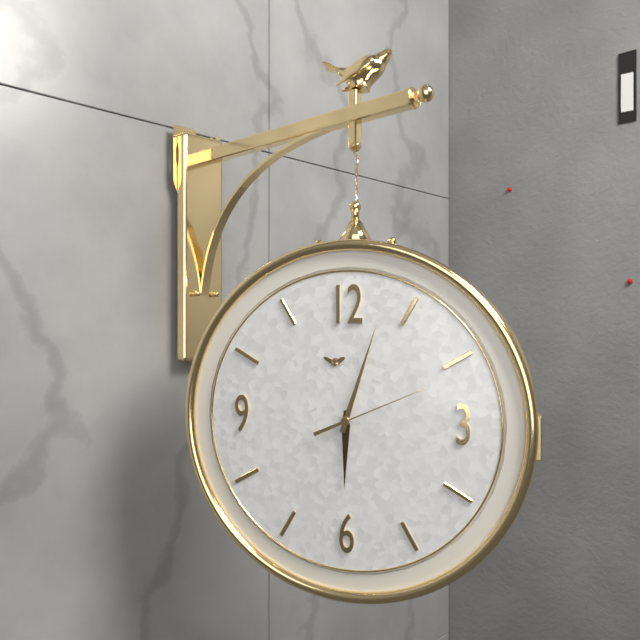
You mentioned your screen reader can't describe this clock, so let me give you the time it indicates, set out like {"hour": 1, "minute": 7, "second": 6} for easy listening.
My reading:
{"hour": 6, "minute": 3, "second": 11}
